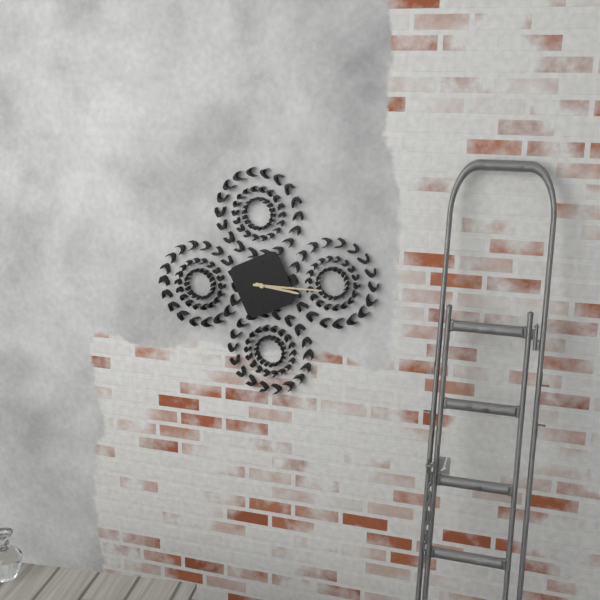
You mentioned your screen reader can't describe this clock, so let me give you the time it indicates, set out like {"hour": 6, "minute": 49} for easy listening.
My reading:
{"hour": 3, "minute": 15}
